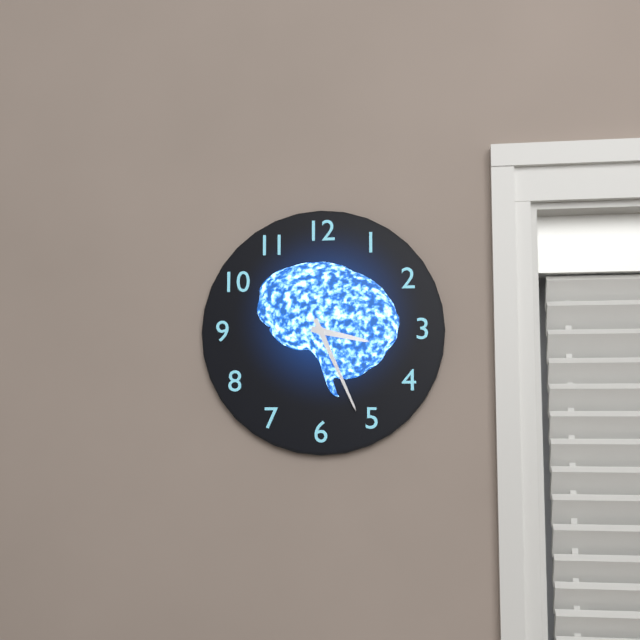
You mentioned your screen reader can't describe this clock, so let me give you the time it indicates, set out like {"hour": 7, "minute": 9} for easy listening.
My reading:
{"hour": 3, "minute": 26}
